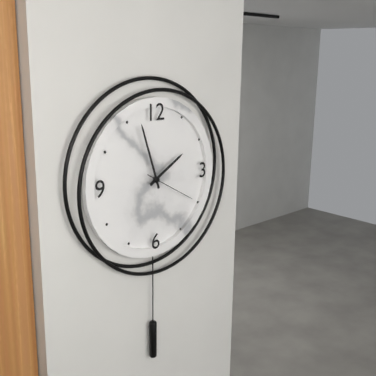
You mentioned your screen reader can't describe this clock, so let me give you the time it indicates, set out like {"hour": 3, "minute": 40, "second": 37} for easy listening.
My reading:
{"hour": 1, "minute": 57, "second": 20}
